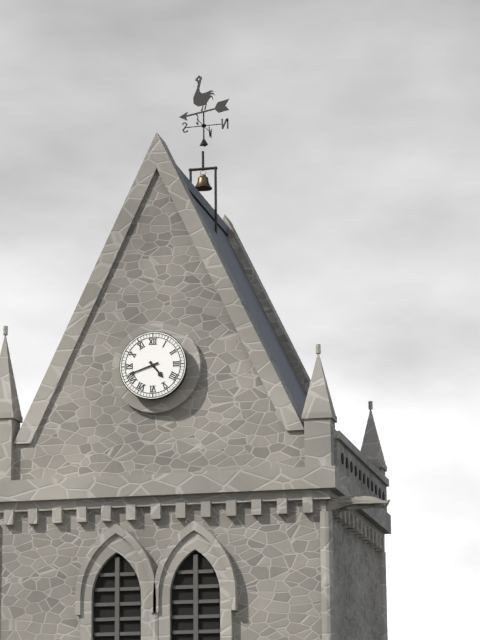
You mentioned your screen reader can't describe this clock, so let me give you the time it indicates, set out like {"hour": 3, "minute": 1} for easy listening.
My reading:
{"hour": 4, "minute": 42}
